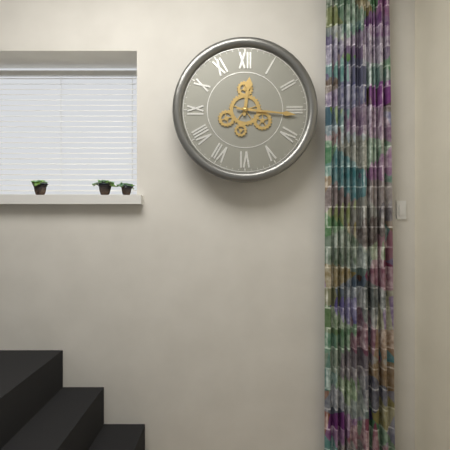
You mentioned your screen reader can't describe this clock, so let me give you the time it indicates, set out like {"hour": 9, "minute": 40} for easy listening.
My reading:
{"hour": 12, "minute": 16}
